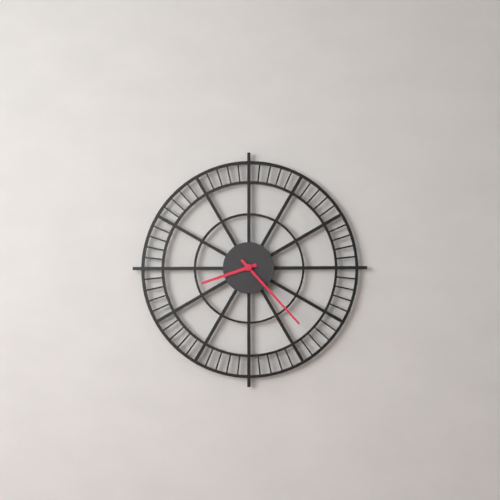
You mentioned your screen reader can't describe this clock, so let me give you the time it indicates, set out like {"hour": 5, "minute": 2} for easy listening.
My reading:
{"hour": 8, "minute": 23}
